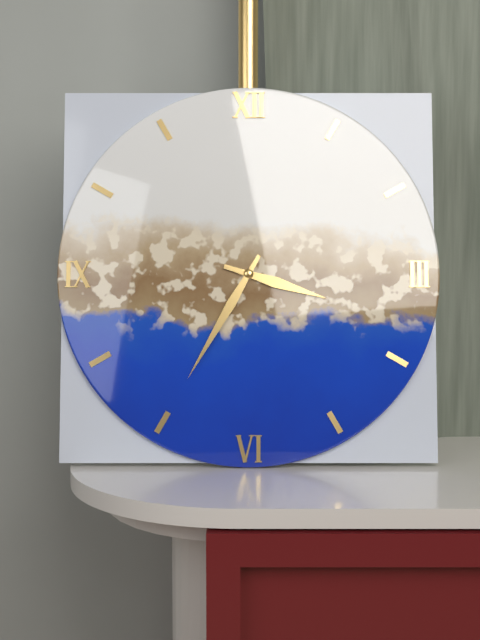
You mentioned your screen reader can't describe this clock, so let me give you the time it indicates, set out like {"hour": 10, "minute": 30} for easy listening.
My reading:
{"hour": 3, "minute": 35}
